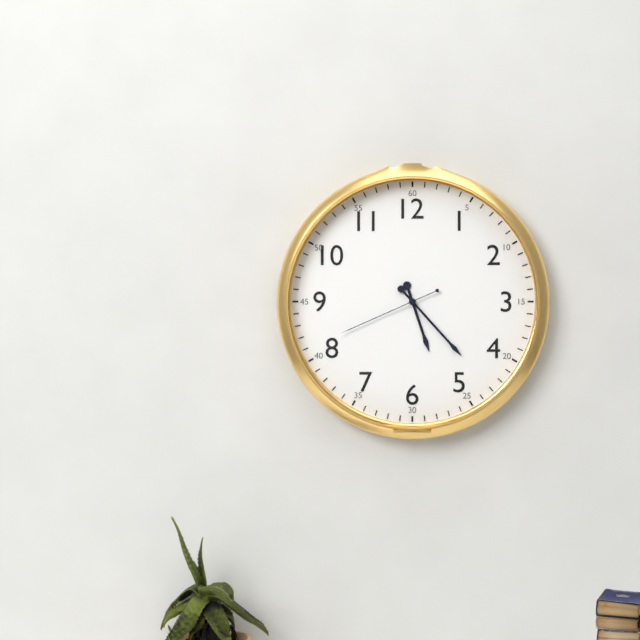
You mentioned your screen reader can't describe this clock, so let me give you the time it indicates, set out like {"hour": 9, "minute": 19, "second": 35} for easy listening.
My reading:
{"hour": 5, "minute": 23, "second": 41}
